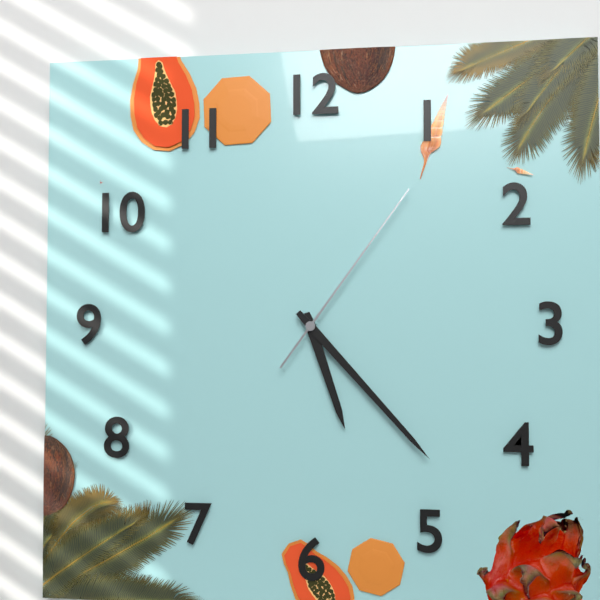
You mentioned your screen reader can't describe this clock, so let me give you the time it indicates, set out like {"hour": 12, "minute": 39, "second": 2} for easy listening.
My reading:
{"hour": 5, "minute": 23, "second": 6}
